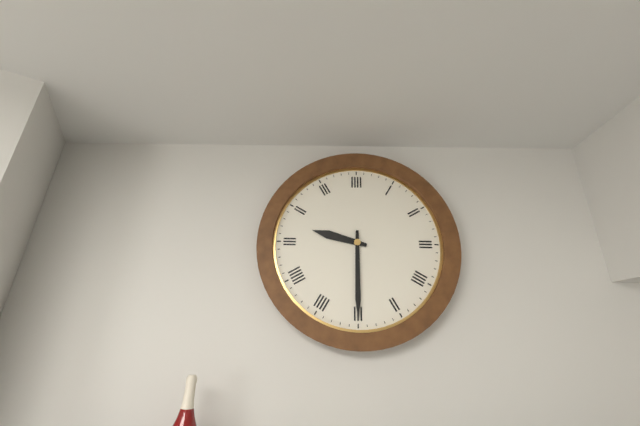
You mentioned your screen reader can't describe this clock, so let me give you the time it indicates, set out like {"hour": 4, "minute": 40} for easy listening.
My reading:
{"hour": 9, "minute": 30}
